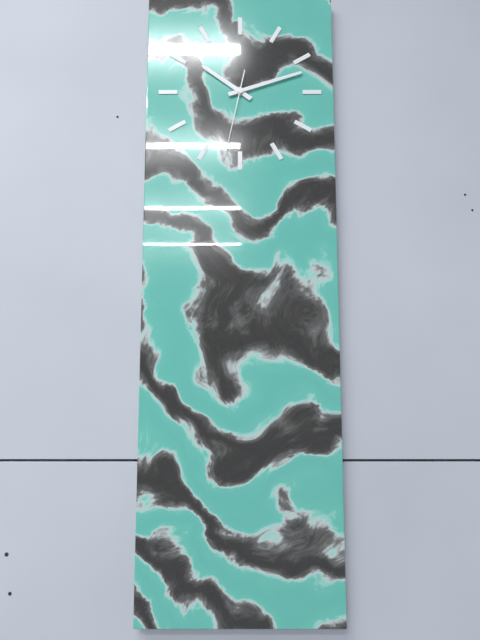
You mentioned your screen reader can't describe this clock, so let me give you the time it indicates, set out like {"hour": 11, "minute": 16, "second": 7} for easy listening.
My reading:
{"hour": 10, "minute": 12, "second": 32}
